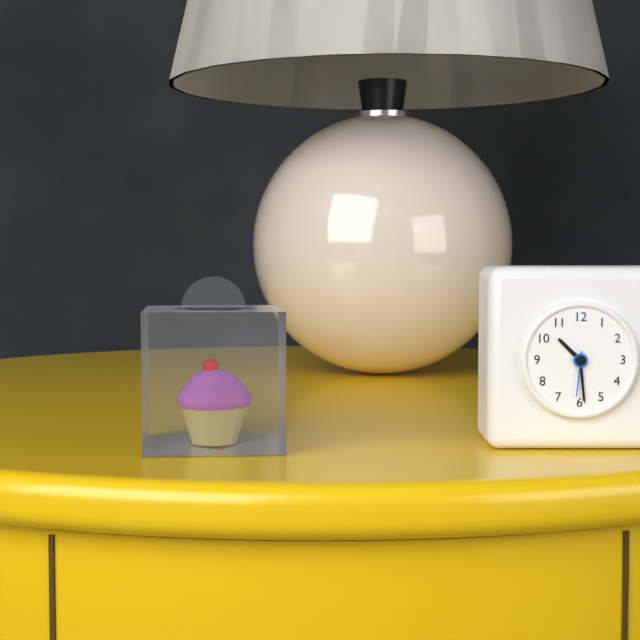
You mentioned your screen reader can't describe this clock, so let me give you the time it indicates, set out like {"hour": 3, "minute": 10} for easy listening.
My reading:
{"hour": 10, "minute": 29}
